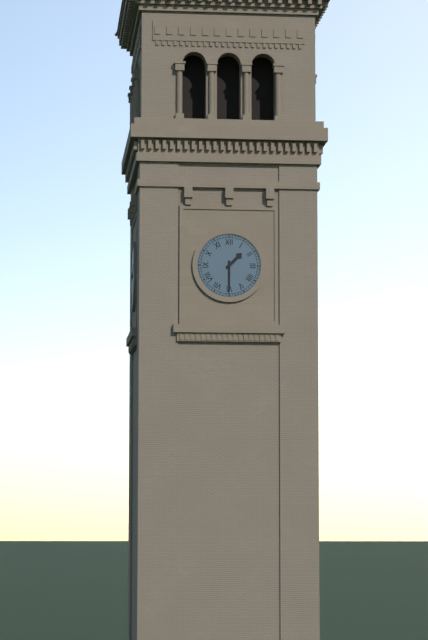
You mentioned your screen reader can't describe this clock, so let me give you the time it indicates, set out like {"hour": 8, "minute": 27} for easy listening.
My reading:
{"hour": 1, "minute": 30}
